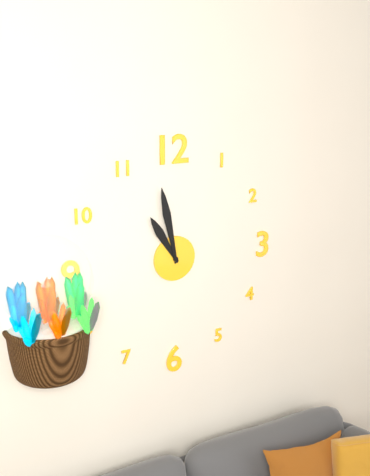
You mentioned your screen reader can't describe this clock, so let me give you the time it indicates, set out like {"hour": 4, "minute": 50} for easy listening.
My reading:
{"hour": 10, "minute": 58}
